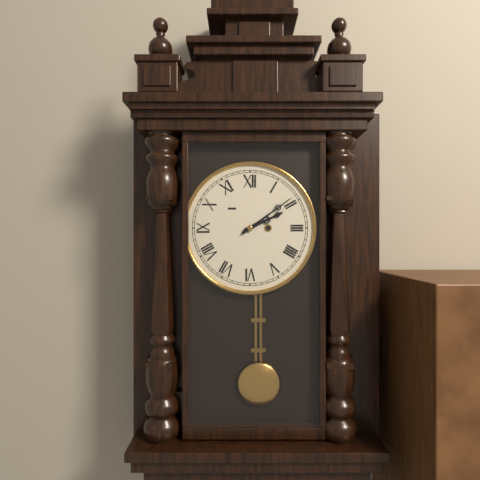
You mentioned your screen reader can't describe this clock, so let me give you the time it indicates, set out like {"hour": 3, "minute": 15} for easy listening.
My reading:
{"hour": 2, "minute": 9}
